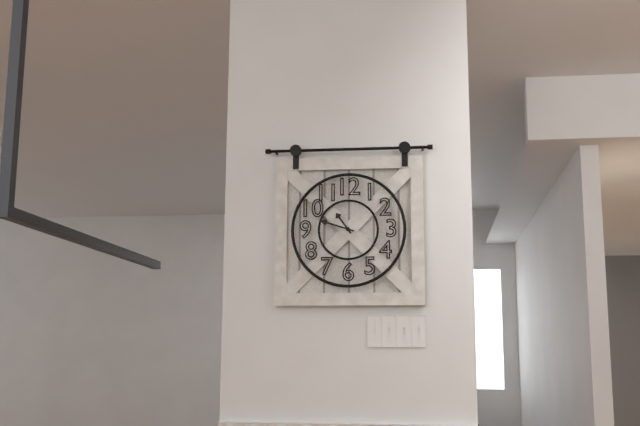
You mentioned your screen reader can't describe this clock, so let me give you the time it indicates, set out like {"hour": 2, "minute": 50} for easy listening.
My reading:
{"hour": 10, "minute": 48}
